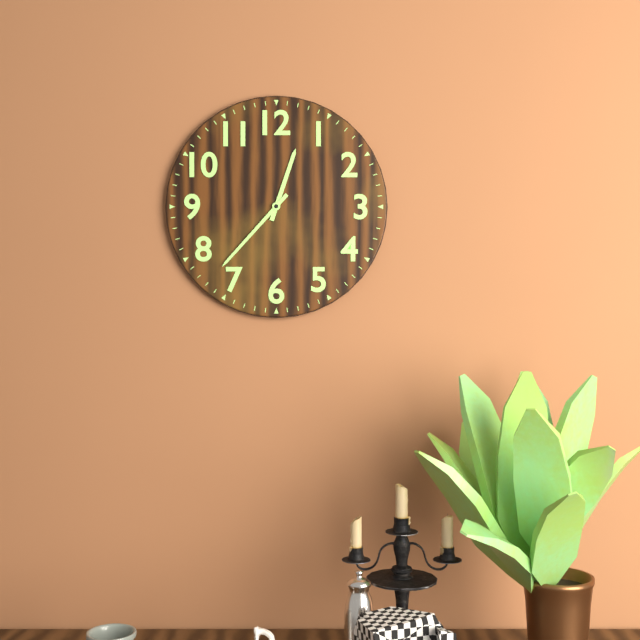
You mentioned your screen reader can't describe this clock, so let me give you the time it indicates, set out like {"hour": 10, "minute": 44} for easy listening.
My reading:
{"hour": 12, "minute": 37}
